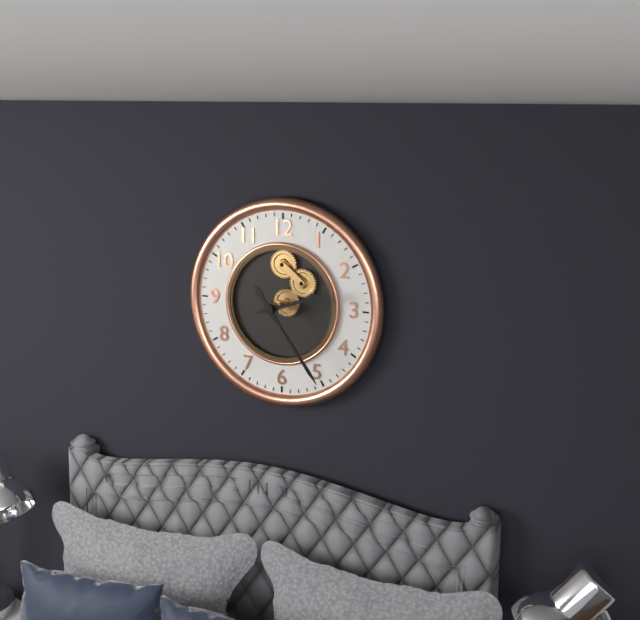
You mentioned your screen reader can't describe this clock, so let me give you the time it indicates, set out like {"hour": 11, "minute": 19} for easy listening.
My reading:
{"hour": 2, "minute": 24}
